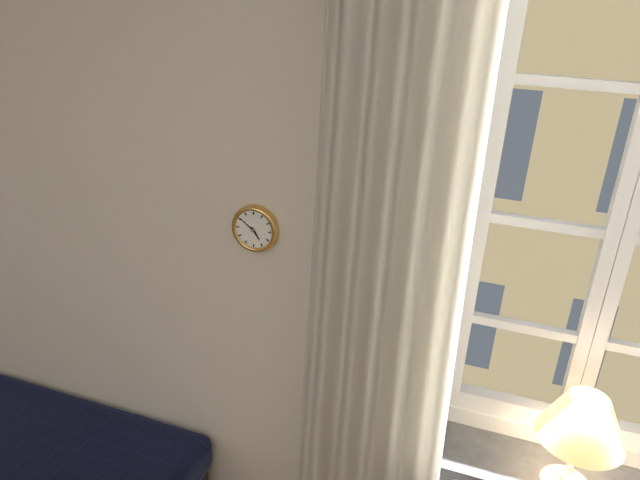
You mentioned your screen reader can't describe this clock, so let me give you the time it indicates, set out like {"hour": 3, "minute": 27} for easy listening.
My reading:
{"hour": 4, "minute": 51}
